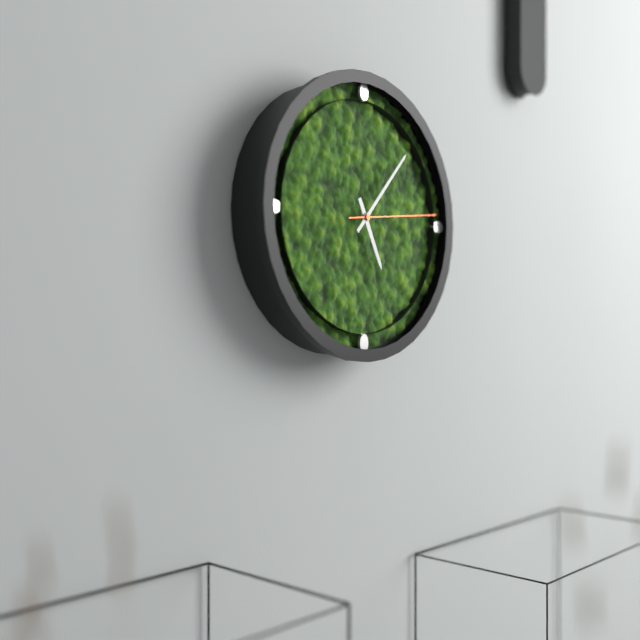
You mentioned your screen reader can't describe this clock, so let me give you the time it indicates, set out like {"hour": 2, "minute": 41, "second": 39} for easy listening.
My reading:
{"hour": 5, "minute": 7, "second": 14}
